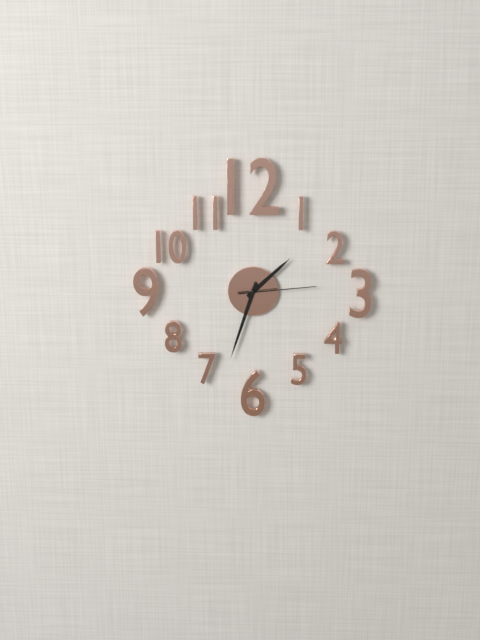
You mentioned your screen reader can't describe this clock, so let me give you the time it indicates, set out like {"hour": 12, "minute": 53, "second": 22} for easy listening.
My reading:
{"hour": 1, "minute": 33, "second": 14}
